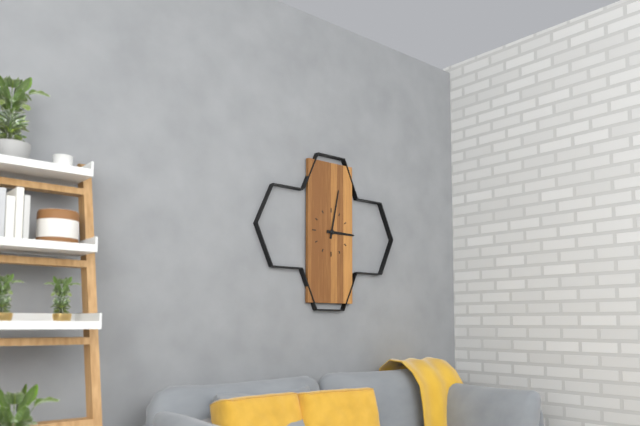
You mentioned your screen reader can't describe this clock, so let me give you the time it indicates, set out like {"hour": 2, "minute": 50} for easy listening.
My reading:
{"hour": 3, "minute": 2}
